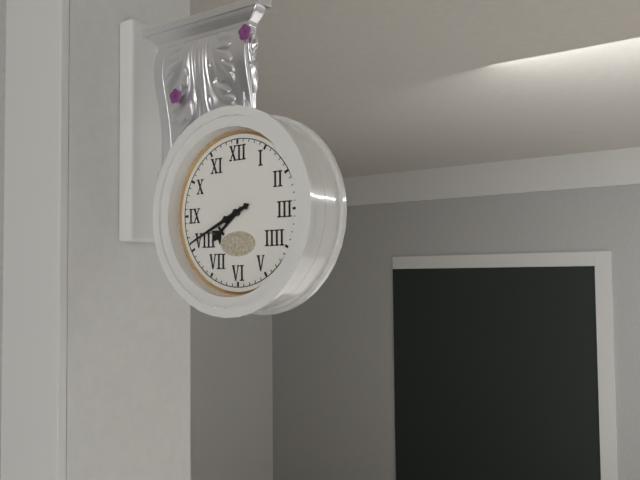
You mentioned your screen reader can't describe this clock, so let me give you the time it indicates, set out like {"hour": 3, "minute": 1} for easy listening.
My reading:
{"hour": 7, "minute": 41}
